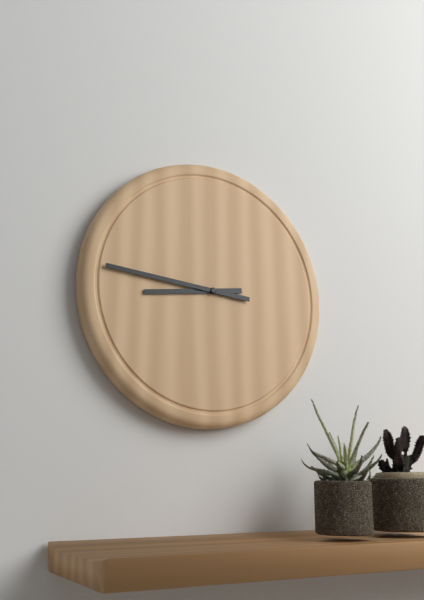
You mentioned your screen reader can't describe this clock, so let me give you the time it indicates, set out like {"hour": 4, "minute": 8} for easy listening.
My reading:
{"hour": 8, "minute": 46}
